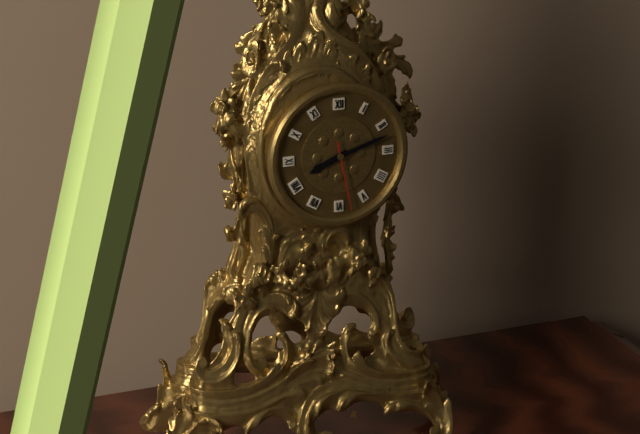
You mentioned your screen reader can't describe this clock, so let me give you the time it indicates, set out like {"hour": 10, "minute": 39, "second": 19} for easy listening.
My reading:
{"hour": 8, "minute": 12, "second": 28}
